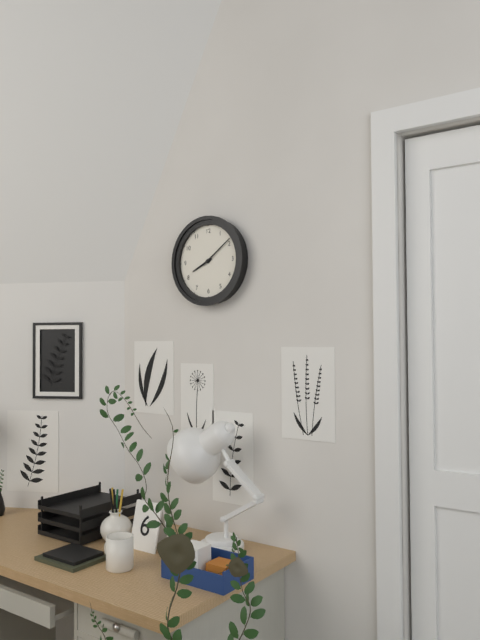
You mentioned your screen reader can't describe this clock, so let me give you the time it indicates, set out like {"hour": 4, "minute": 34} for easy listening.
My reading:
{"hour": 8, "minute": 9}
